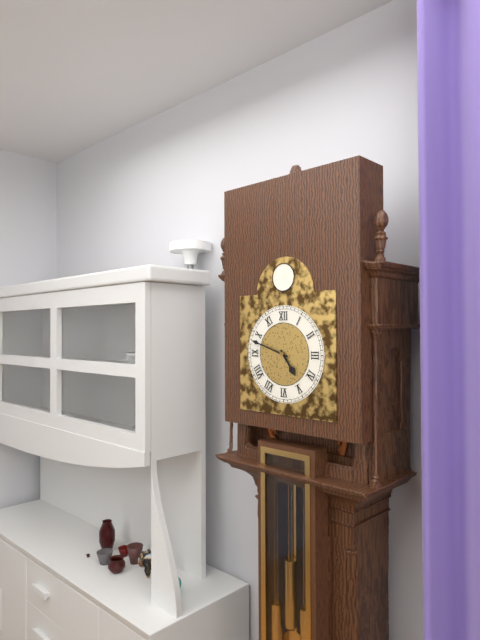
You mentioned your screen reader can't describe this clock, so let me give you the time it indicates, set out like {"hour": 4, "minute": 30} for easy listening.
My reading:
{"hour": 4, "minute": 48}
